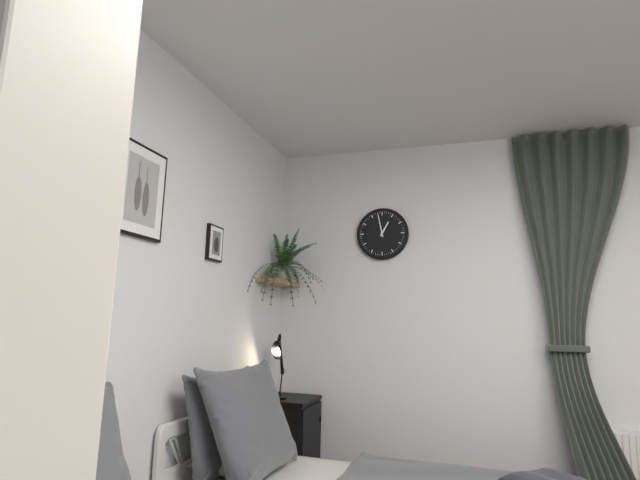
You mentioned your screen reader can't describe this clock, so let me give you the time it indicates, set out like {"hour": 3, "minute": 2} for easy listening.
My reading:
{"hour": 12, "minute": 58}
